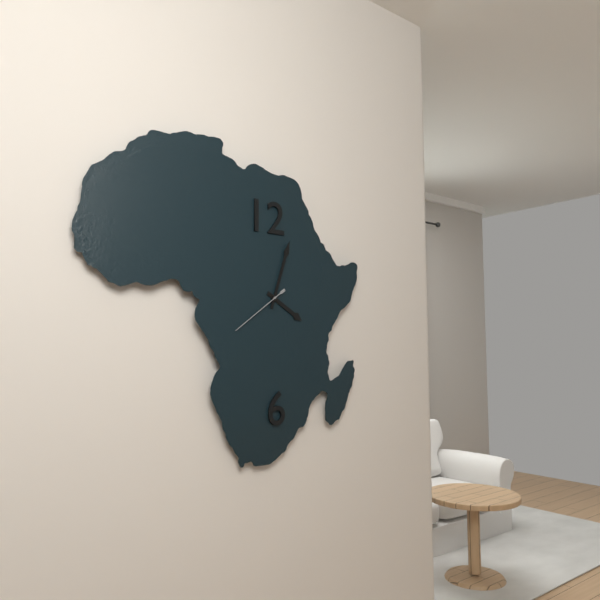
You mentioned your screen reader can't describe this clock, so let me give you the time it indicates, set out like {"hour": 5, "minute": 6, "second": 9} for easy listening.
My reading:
{"hour": 4, "minute": 3, "second": 39}
